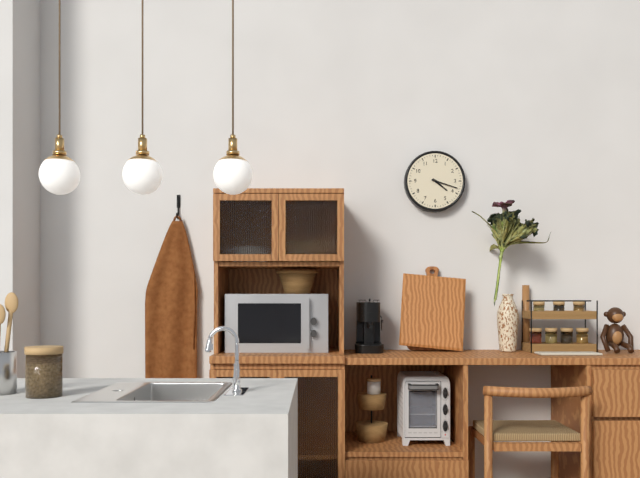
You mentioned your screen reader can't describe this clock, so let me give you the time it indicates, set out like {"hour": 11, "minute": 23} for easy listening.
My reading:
{"hour": 4, "minute": 18}
